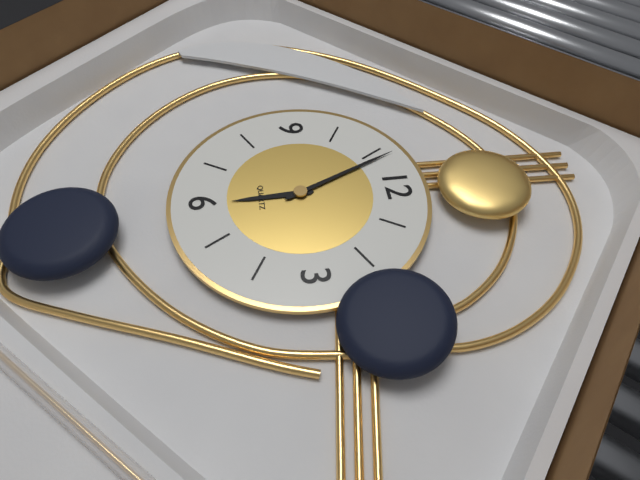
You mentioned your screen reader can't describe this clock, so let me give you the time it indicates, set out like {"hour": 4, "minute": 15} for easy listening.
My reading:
{"hour": 5, "minute": 56}
